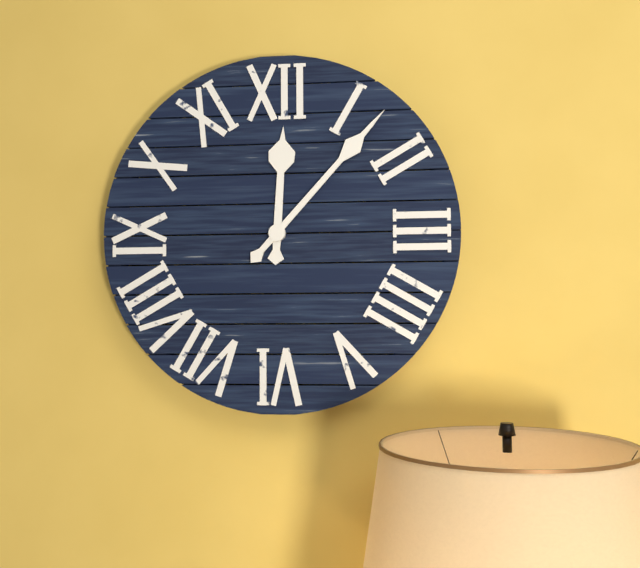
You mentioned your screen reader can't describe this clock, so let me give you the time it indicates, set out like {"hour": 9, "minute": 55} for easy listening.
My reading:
{"hour": 12, "minute": 7}
